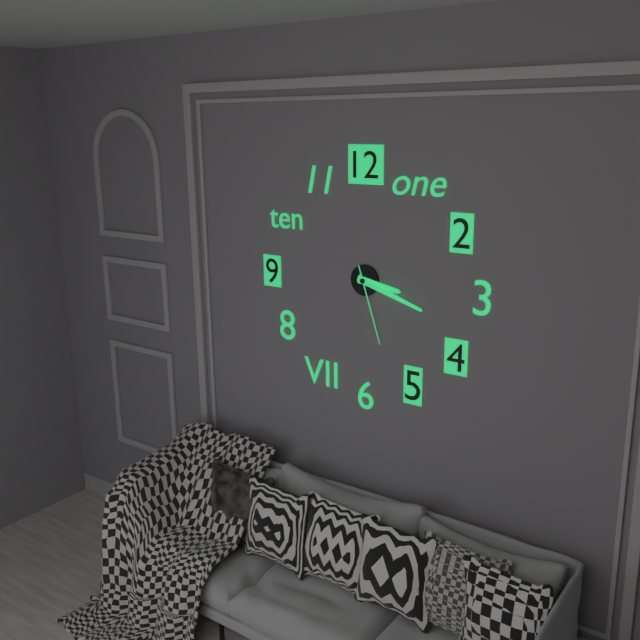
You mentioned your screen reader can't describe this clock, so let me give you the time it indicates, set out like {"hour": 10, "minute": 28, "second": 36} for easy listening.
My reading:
{"hour": 3, "minute": 18, "second": 27}
